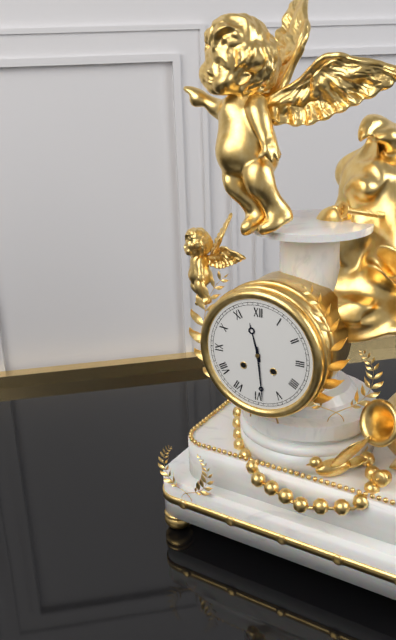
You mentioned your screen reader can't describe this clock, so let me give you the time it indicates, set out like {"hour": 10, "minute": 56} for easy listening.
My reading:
{"hour": 11, "minute": 29}
